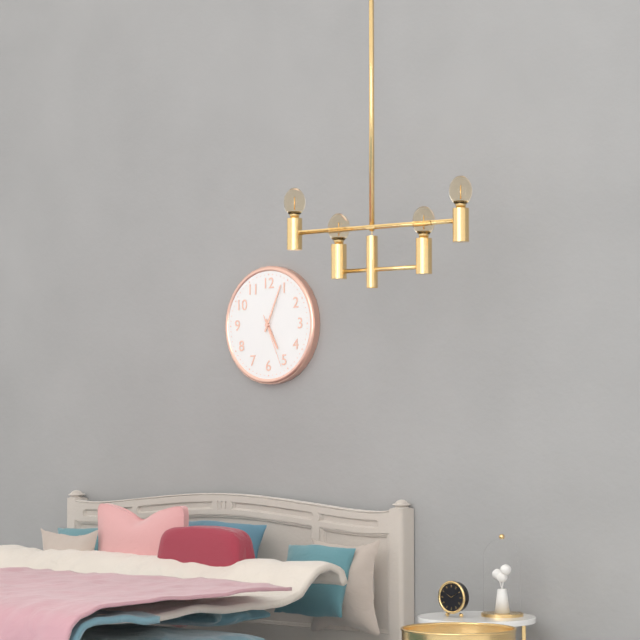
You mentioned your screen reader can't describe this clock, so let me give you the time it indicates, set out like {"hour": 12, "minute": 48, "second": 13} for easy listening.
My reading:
{"hour": 5, "minute": 4, "second": 26}
